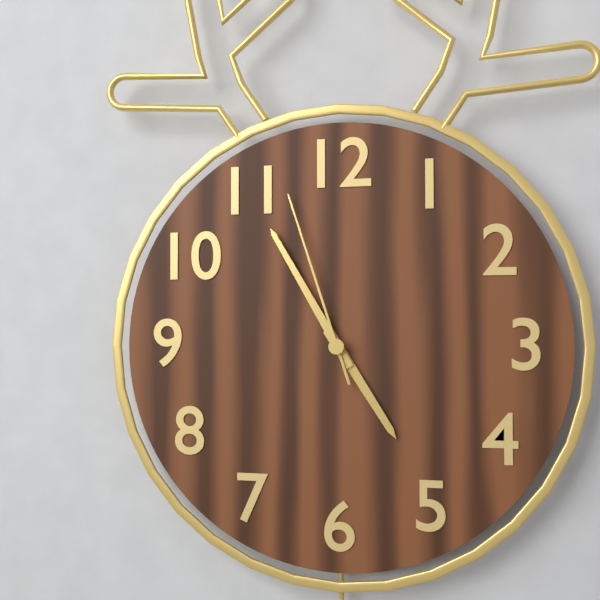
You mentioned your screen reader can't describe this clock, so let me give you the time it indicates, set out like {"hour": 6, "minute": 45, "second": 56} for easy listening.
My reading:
{"hour": 4, "minute": 55, "second": 57}
